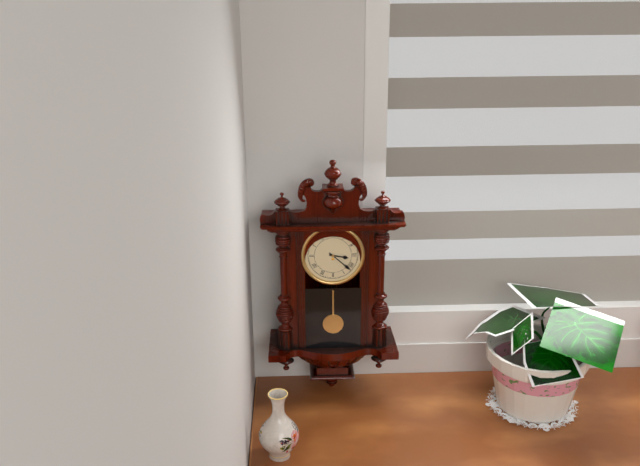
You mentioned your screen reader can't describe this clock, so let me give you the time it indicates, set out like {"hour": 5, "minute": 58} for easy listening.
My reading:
{"hour": 3, "minute": 22}
